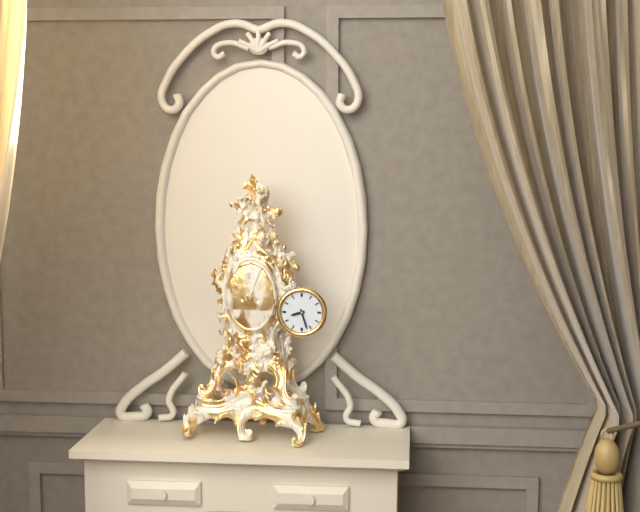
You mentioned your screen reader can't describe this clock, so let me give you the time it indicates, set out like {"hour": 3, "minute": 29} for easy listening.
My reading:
{"hour": 8, "minute": 27}
